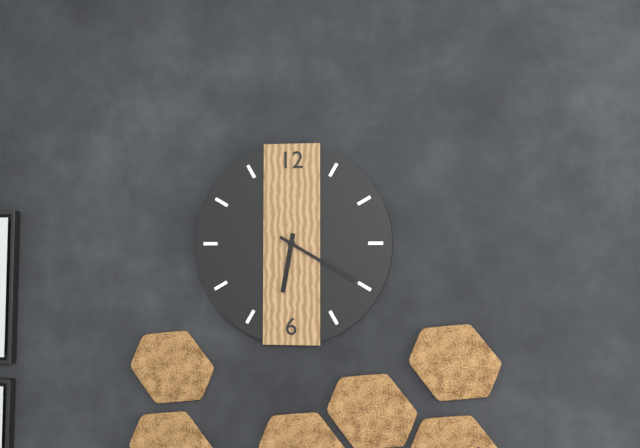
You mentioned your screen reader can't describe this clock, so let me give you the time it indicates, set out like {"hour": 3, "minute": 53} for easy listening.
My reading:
{"hour": 6, "minute": 20}
